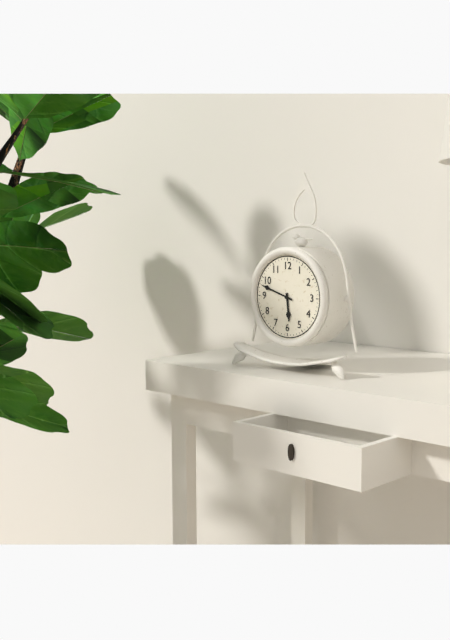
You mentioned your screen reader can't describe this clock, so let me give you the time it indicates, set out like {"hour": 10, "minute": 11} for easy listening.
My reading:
{"hour": 5, "minute": 48}
